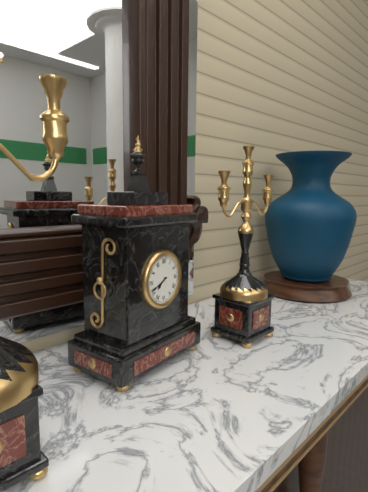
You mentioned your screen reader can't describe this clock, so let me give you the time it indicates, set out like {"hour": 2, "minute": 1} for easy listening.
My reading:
{"hour": 7, "minute": 41}
